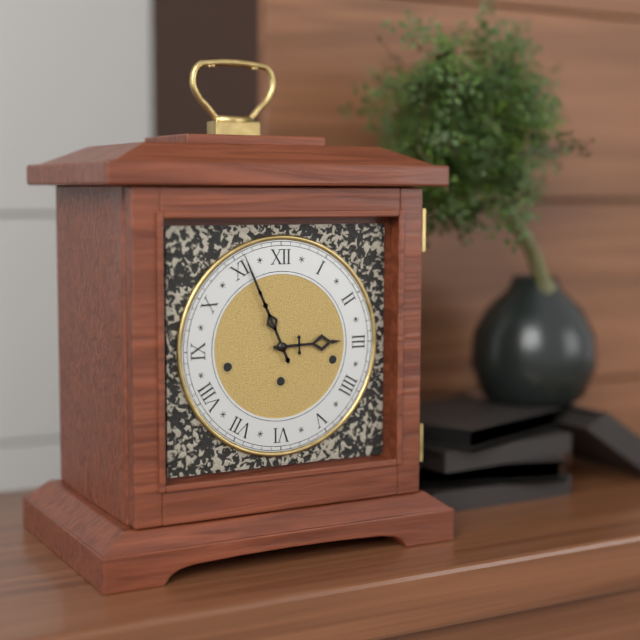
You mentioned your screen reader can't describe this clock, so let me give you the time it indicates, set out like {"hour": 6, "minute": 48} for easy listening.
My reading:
{"hour": 2, "minute": 56}
